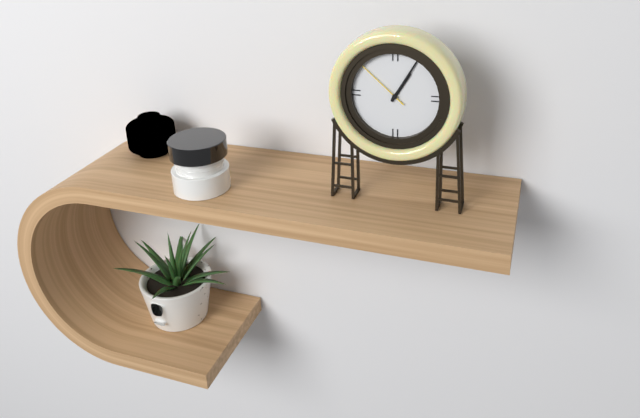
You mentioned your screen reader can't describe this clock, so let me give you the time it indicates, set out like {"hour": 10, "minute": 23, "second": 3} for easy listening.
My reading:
{"hour": 1, "minute": 5, "second": 52}
